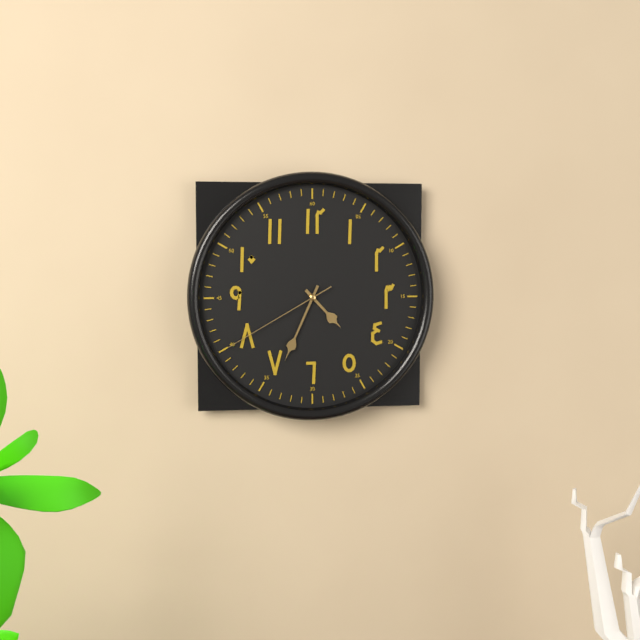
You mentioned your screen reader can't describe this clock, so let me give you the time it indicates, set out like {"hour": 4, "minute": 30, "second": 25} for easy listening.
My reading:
{"hour": 4, "minute": 34, "second": 40}
